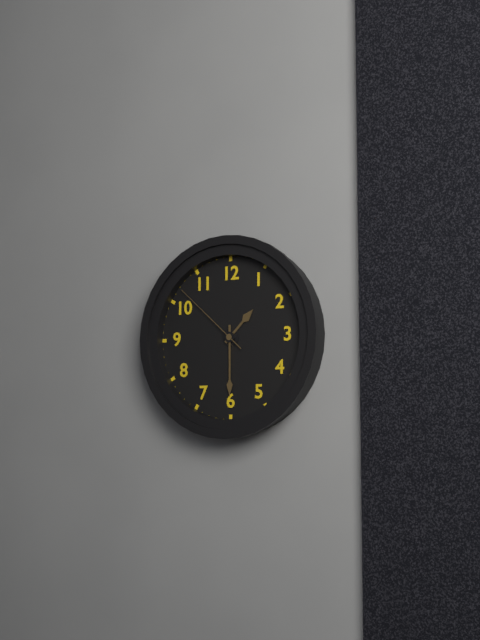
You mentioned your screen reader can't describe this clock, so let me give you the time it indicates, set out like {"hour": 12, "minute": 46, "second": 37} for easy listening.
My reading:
{"hour": 1, "minute": 30, "second": 52}
